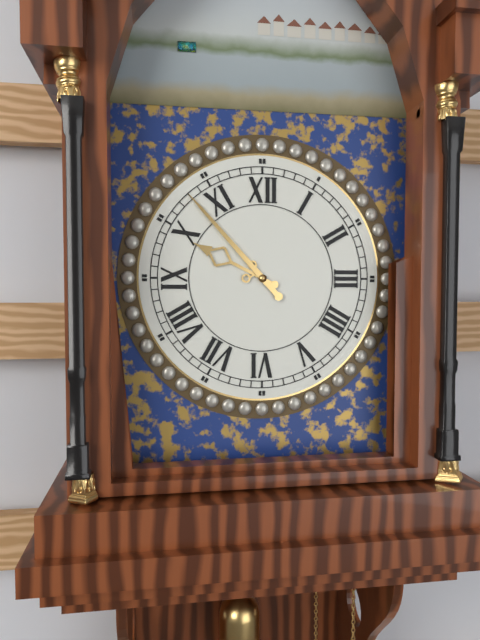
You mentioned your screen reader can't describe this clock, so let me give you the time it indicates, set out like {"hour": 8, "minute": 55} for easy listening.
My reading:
{"hour": 9, "minute": 53}
